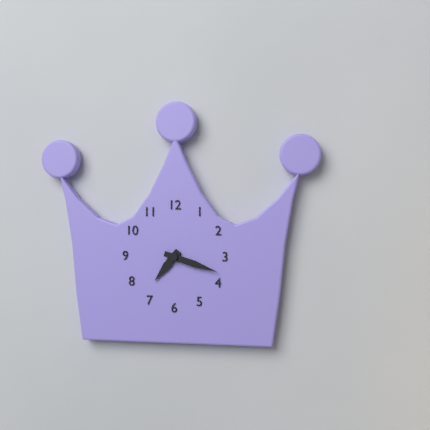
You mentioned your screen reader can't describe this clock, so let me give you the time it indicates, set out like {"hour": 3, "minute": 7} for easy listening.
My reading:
{"hour": 7, "minute": 18}
